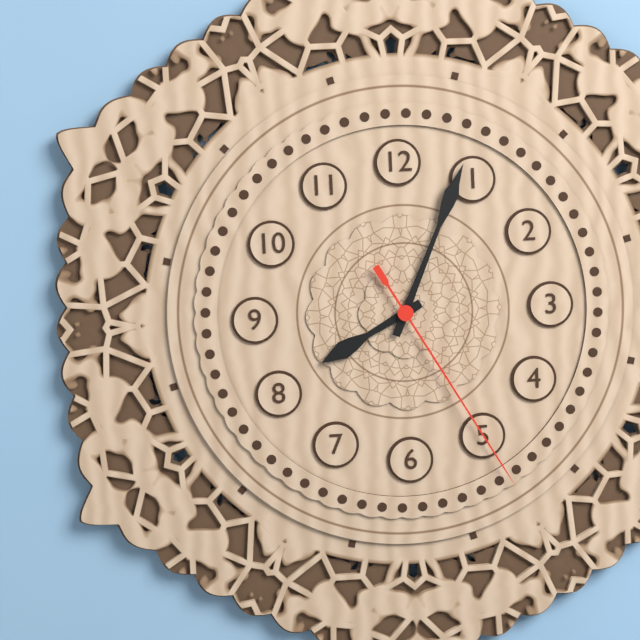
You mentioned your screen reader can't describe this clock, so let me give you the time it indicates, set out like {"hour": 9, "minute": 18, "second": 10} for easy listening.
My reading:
{"hour": 8, "minute": 4, "second": 25}
